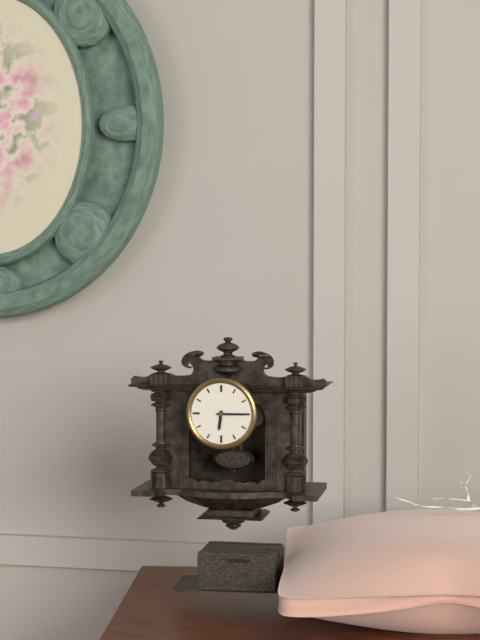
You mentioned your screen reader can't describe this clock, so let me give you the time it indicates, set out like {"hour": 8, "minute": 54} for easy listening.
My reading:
{"hour": 6, "minute": 15}
